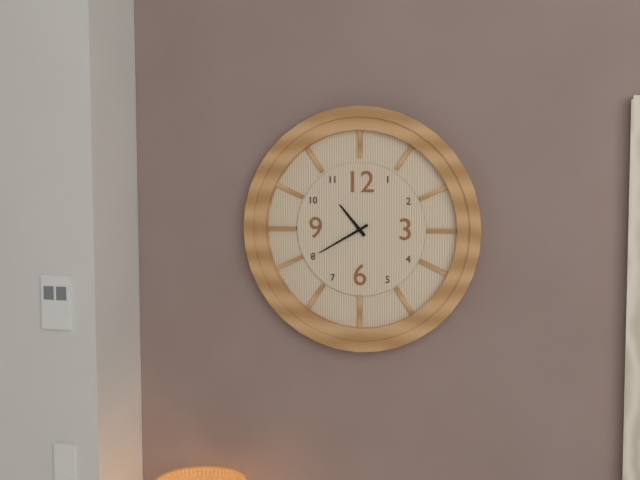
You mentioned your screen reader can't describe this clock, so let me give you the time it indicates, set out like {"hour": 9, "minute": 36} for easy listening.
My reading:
{"hour": 10, "minute": 40}
